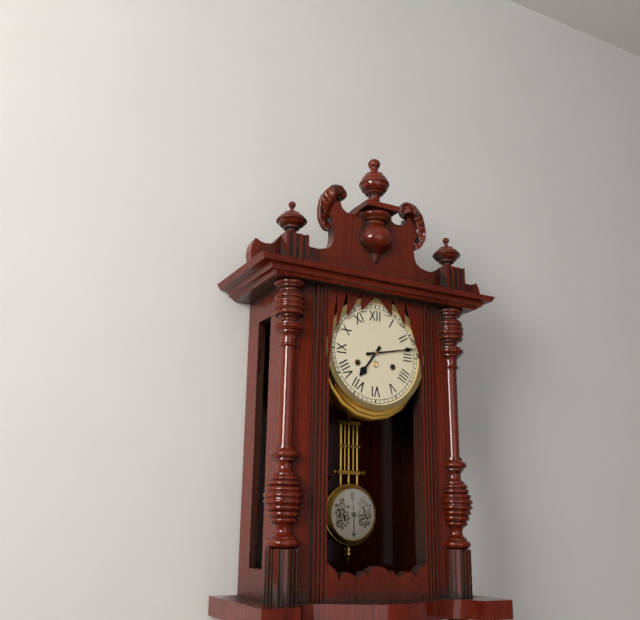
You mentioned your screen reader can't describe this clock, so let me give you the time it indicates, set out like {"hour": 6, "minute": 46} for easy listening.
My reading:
{"hour": 7, "minute": 13}
